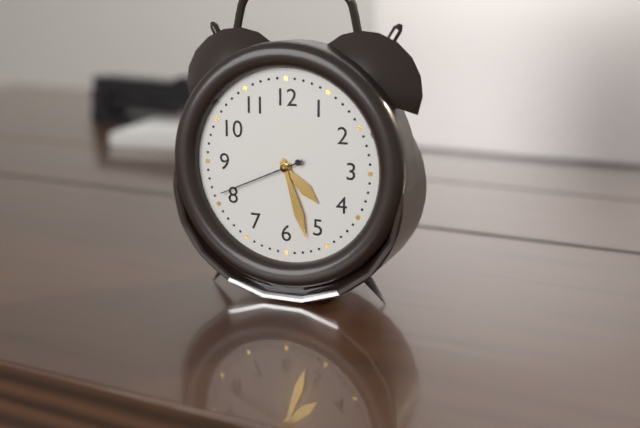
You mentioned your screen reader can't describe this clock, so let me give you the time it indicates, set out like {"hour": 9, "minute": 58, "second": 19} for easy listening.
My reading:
{"hour": 4, "minute": 27, "second": 41}
